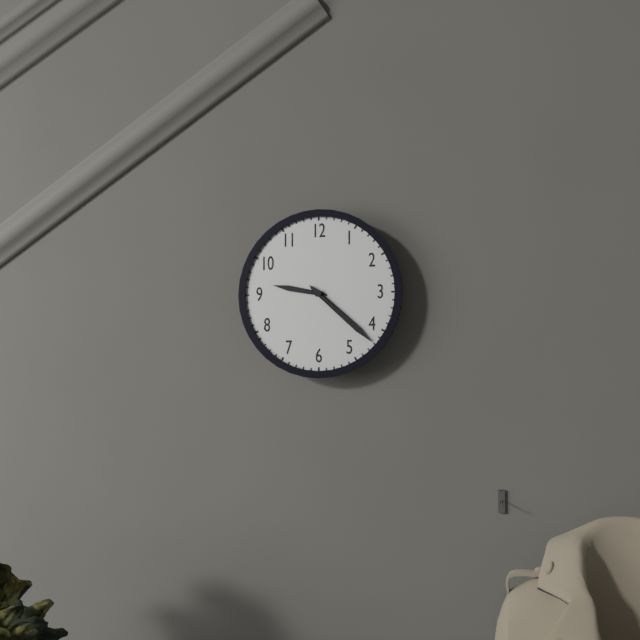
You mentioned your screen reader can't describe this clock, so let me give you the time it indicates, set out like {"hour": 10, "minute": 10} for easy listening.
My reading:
{"hour": 9, "minute": 22}
